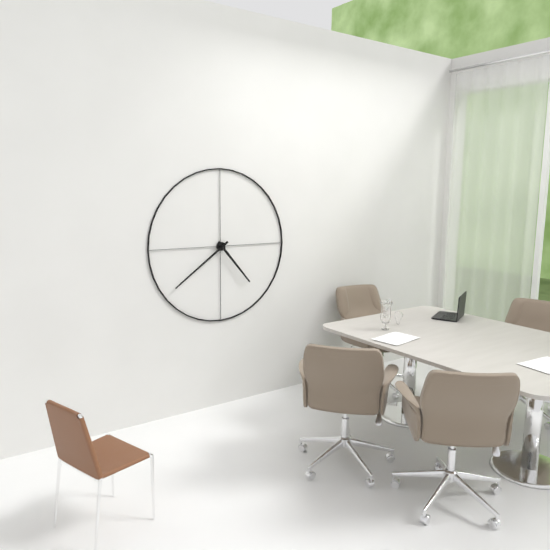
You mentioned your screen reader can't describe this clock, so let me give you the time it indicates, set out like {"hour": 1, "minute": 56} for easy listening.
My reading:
{"hour": 4, "minute": 39}
